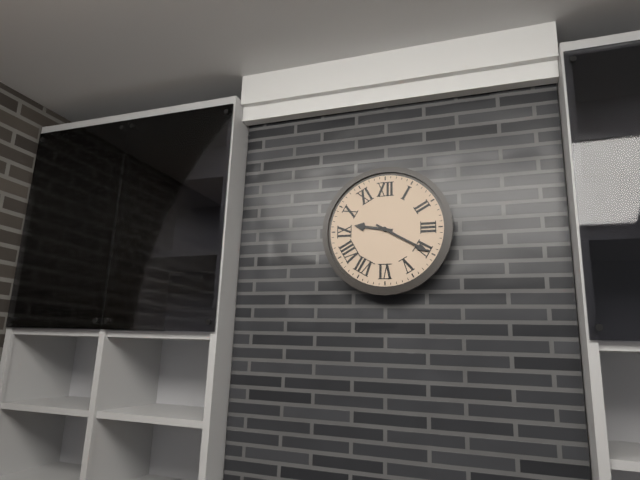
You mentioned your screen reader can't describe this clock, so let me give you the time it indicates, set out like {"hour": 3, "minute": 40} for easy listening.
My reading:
{"hour": 9, "minute": 20}
